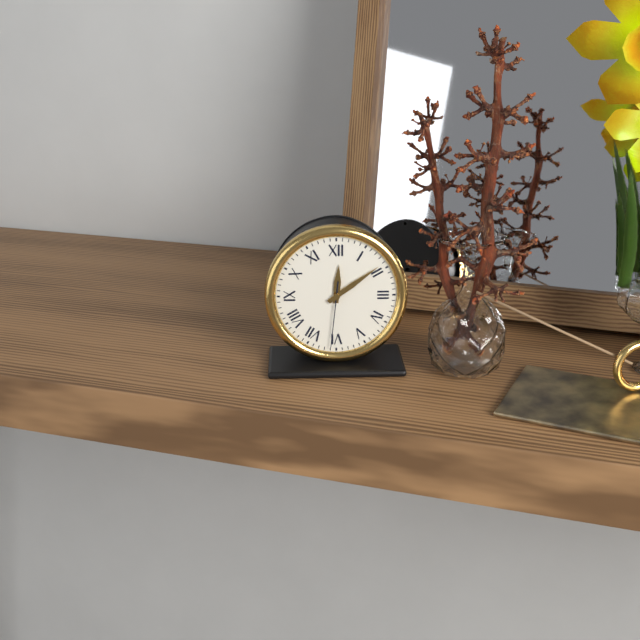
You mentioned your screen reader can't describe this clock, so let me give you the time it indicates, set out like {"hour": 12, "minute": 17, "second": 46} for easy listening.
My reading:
{"hour": 12, "minute": 9, "second": 31}
